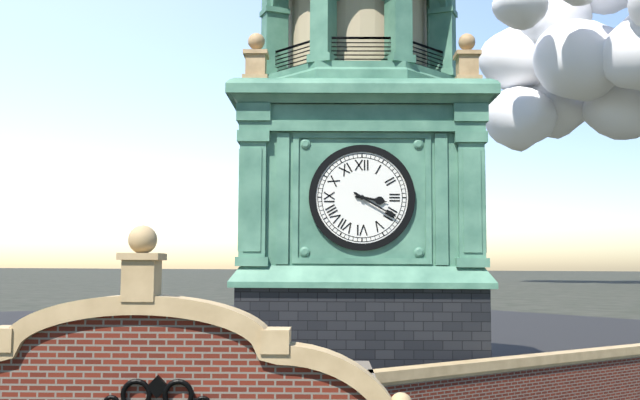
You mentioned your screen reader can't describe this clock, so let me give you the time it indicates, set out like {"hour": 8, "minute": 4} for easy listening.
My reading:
{"hour": 3, "minute": 20}
